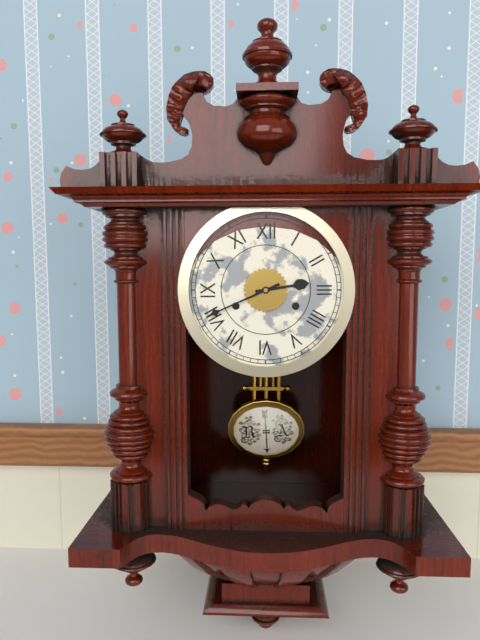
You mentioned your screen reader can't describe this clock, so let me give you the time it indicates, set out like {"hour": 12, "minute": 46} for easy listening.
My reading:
{"hour": 2, "minute": 41}
